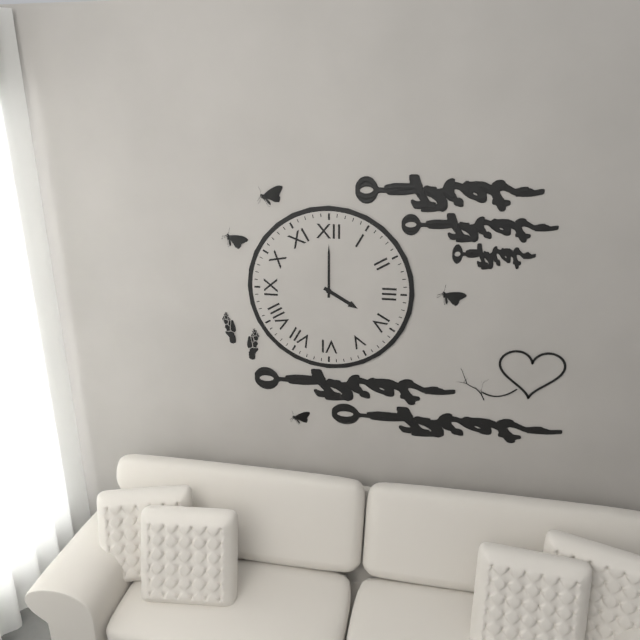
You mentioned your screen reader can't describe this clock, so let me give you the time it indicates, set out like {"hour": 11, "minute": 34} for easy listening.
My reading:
{"hour": 4, "minute": 0}
